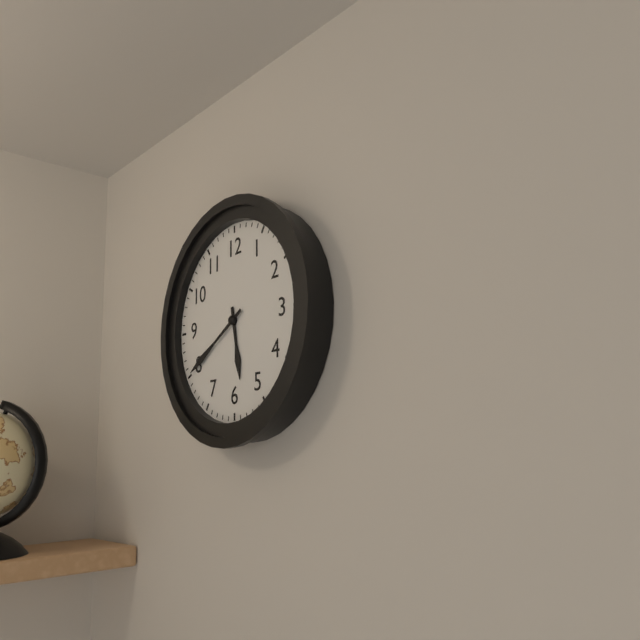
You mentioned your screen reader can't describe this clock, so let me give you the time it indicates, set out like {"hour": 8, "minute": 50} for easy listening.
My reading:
{"hour": 5, "minute": 40}
